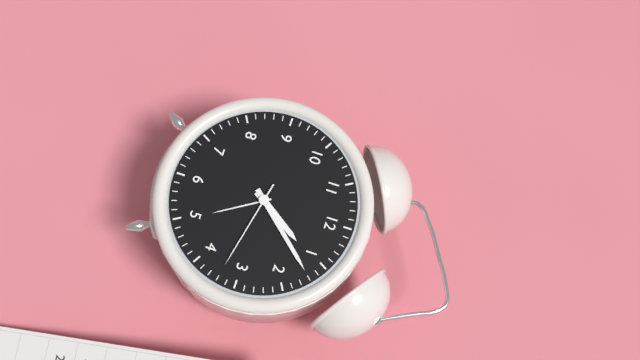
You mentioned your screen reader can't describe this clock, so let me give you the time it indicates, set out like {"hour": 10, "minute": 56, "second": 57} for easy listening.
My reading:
{"hour": 1, "minute": 7, "second": 17}
